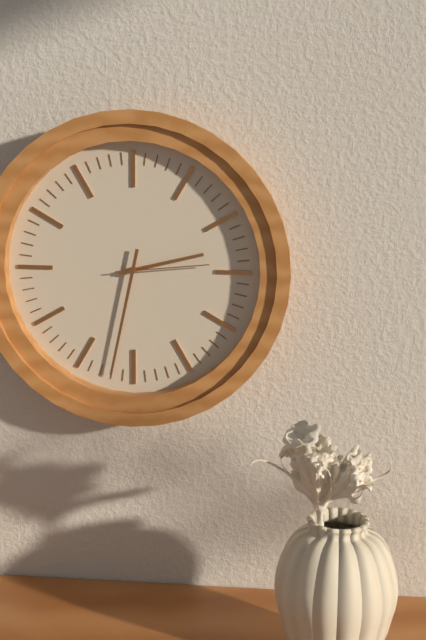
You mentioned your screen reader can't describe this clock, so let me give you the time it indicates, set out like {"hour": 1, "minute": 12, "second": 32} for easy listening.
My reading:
{"hour": 2, "minute": 32, "second": 14}
